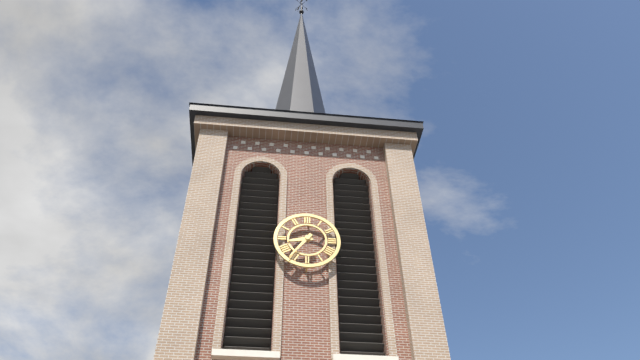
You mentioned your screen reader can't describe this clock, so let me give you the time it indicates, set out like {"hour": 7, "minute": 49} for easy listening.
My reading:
{"hour": 8, "minute": 36}
